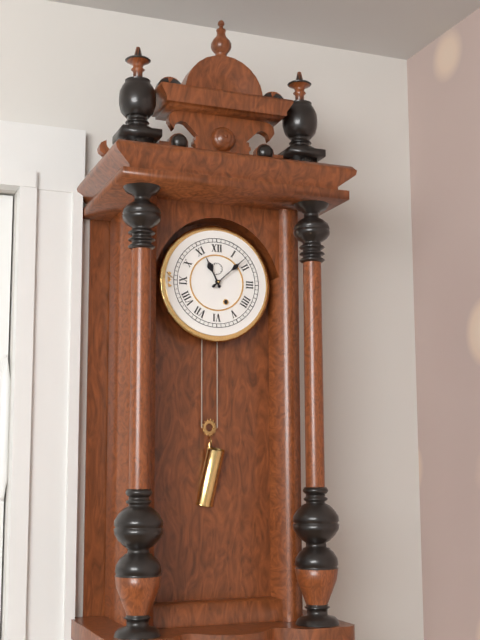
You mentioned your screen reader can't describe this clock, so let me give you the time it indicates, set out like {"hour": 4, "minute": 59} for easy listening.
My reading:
{"hour": 11, "minute": 8}
